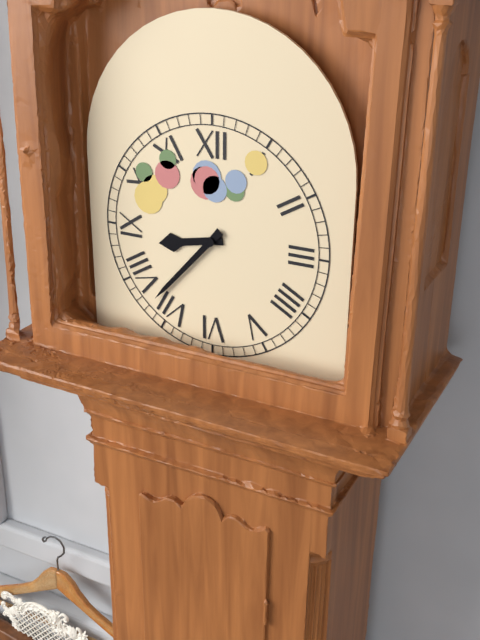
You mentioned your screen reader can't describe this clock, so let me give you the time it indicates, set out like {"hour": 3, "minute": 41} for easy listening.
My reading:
{"hour": 8, "minute": 37}
